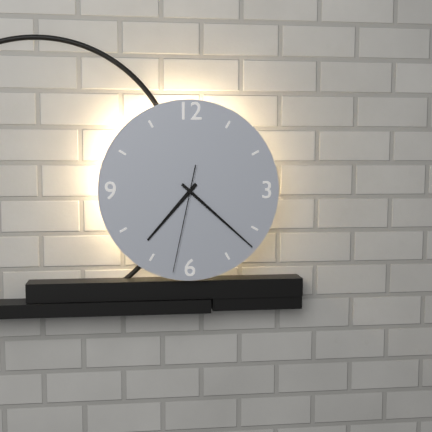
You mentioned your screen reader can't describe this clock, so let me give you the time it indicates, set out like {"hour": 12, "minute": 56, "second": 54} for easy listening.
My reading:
{"hour": 7, "minute": 22, "second": 32}
